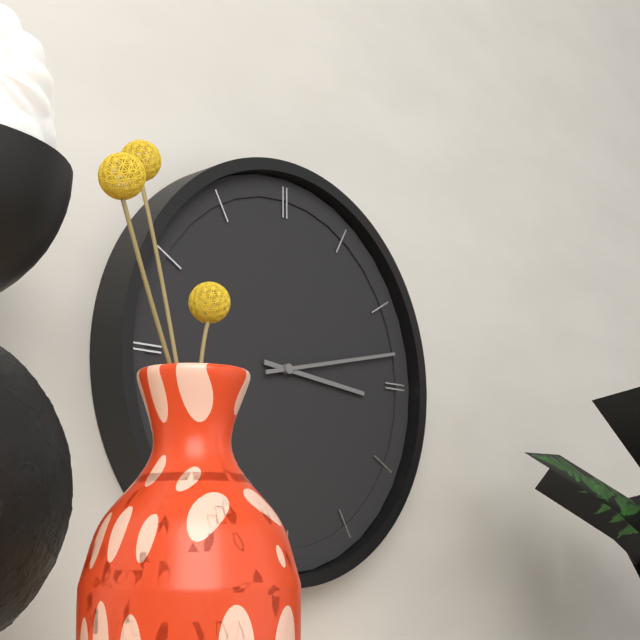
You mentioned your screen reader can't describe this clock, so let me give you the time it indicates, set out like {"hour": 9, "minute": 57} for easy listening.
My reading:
{"hour": 3, "minute": 13}
